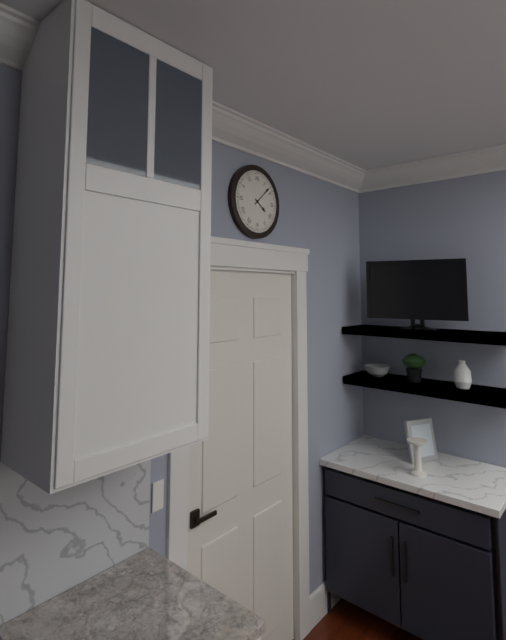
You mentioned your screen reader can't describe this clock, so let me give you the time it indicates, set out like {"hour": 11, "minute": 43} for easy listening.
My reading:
{"hour": 4, "minute": 8}
